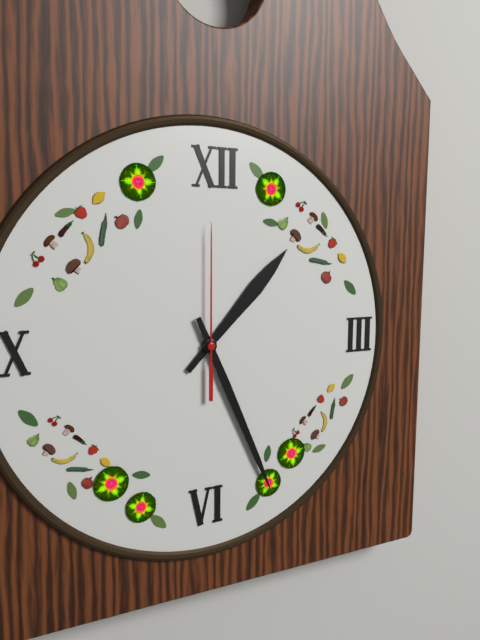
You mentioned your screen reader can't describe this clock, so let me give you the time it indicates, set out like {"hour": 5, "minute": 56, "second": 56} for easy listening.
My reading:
{"hour": 1, "minute": 26, "second": 0}
